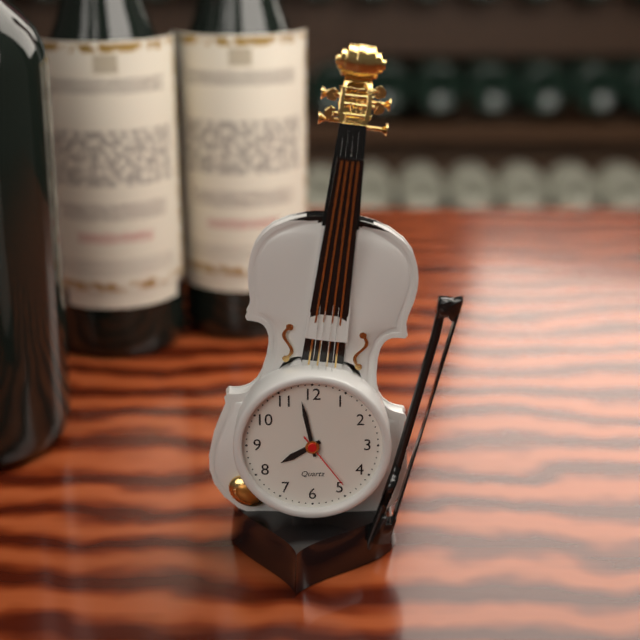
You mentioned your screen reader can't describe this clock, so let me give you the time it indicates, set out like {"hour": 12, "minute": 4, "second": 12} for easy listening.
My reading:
{"hour": 7, "minute": 58, "second": 24}
